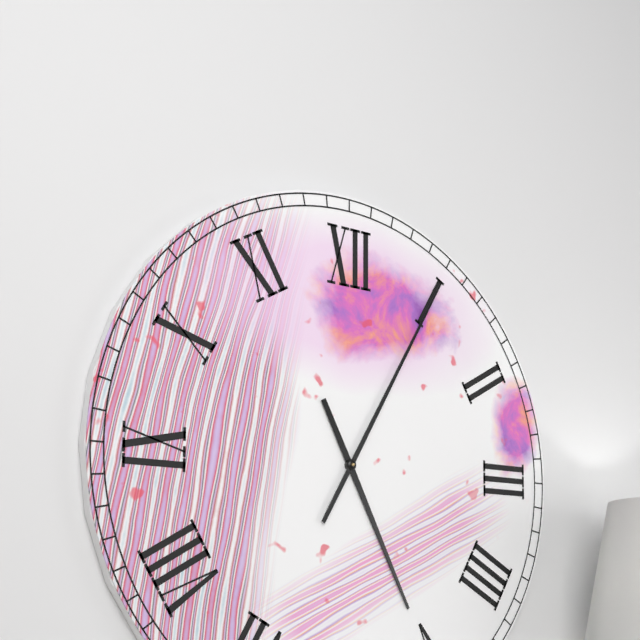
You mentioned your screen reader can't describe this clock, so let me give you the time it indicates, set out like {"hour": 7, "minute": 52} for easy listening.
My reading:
{"hour": 5, "minute": 5}
